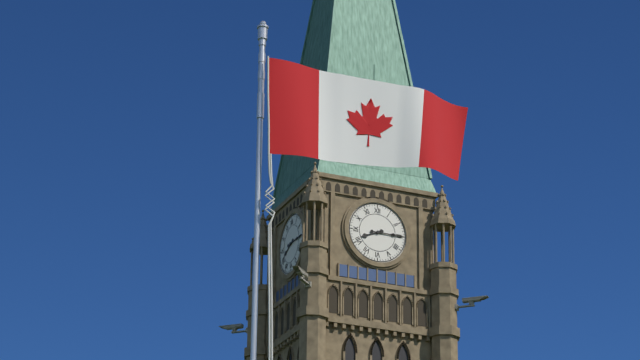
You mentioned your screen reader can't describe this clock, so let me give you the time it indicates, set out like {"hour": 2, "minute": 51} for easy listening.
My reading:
{"hour": 8, "minute": 15}
